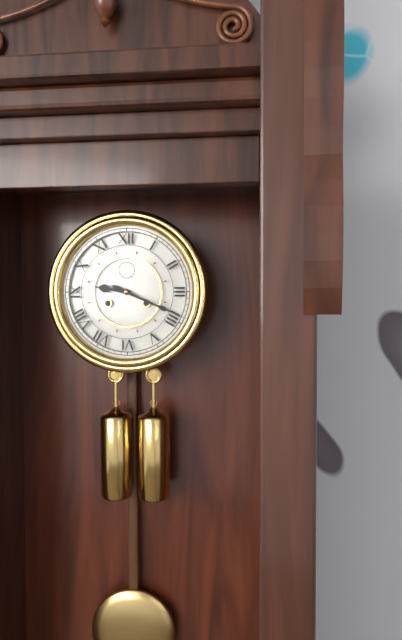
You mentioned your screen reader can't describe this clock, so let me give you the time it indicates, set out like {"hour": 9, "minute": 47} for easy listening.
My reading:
{"hour": 9, "minute": 19}
